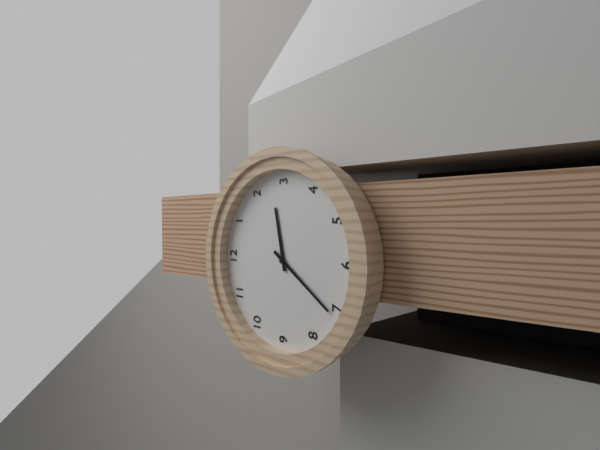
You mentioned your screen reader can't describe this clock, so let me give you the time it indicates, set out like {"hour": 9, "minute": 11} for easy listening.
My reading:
{"hour": 2, "minute": 36}
